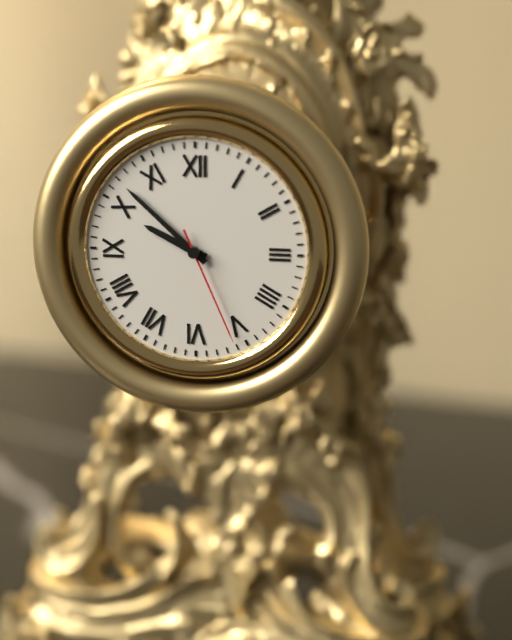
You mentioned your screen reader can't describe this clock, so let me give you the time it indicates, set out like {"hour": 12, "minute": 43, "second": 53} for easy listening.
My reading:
{"hour": 9, "minute": 52, "second": 26}
